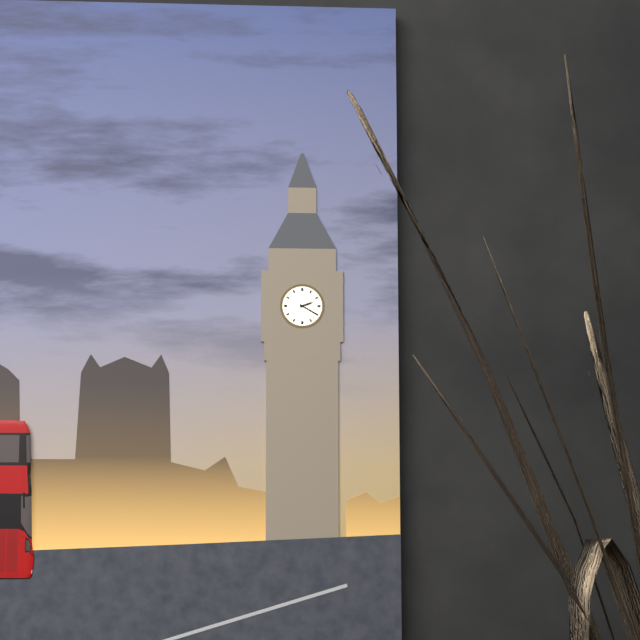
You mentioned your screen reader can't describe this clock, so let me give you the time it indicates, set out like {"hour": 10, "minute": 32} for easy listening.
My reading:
{"hour": 2, "minute": 20}
